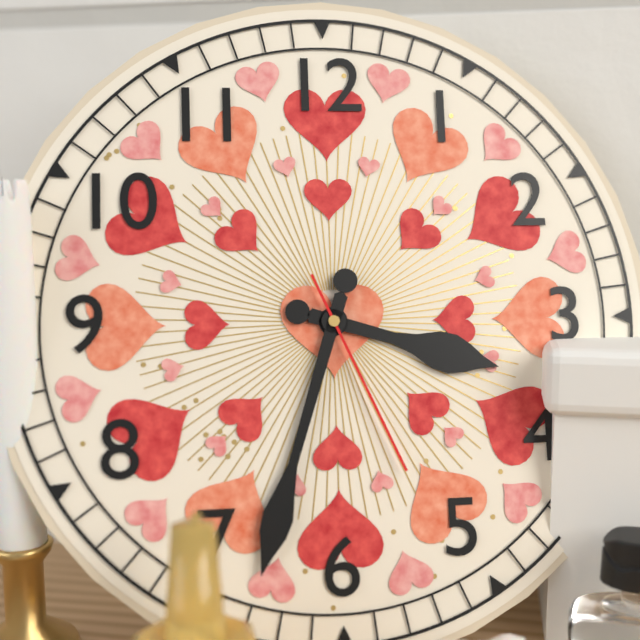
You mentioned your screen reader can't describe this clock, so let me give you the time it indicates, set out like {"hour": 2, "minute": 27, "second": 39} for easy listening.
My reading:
{"hour": 3, "minute": 33, "second": 26}
